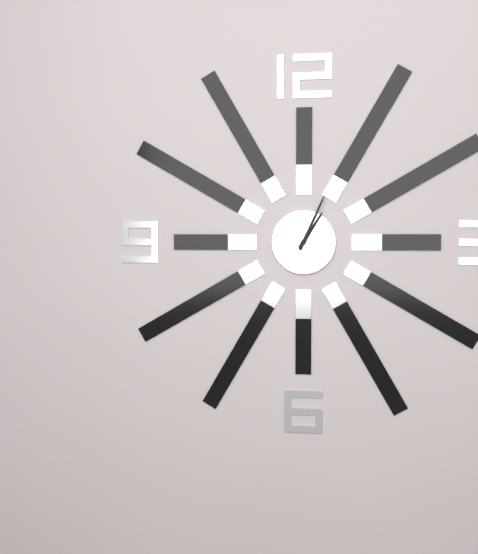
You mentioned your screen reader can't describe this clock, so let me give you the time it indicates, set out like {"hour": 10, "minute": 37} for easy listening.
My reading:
{"hour": 1, "minute": 4}
